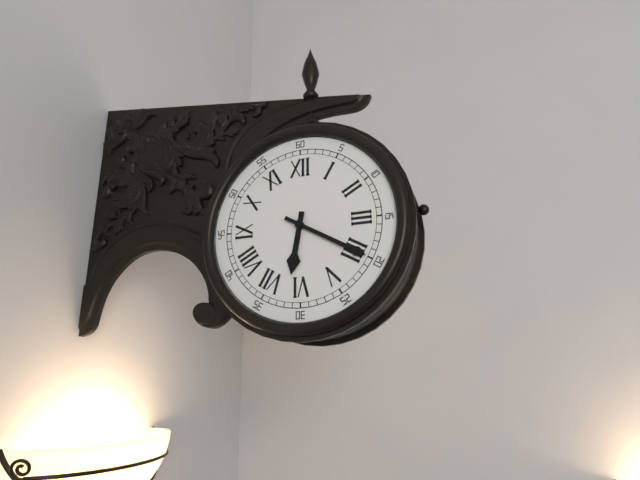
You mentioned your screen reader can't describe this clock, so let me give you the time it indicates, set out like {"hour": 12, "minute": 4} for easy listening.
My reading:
{"hour": 6, "minute": 20}
